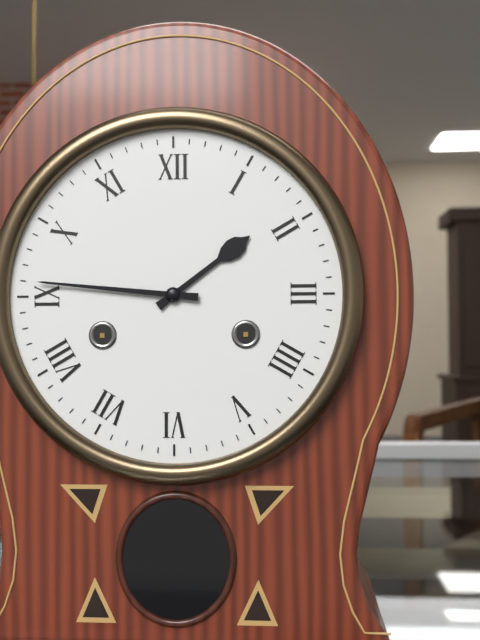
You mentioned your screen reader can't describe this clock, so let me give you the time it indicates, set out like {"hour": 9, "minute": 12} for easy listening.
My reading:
{"hour": 1, "minute": 46}
